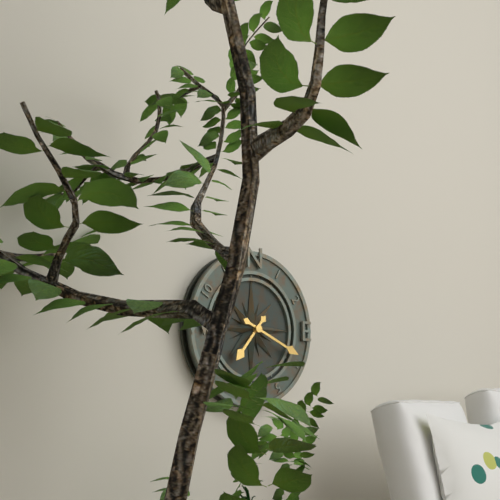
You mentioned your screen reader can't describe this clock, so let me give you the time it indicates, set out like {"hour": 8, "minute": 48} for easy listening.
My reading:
{"hour": 7, "minute": 19}
